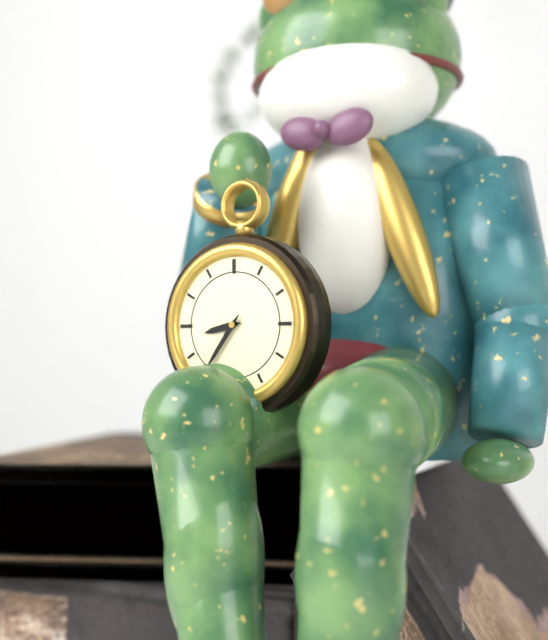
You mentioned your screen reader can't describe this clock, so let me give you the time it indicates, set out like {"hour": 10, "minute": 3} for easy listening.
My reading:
{"hour": 8, "minute": 36}
